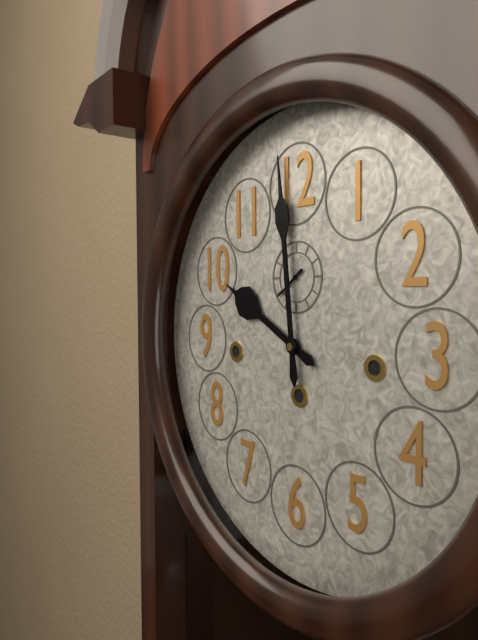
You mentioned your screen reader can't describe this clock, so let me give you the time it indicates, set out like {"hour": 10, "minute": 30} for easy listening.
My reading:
{"hour": 9, "minute": 59}
